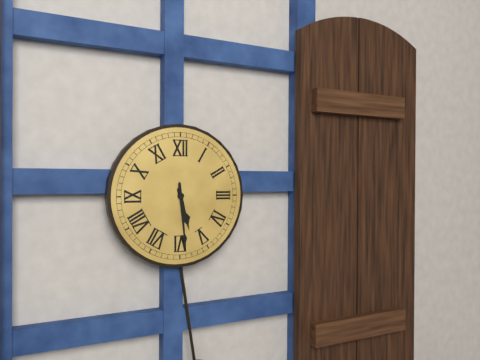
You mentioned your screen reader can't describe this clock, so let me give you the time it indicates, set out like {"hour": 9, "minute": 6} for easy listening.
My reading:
{"hour": 5, "minute": 29}
